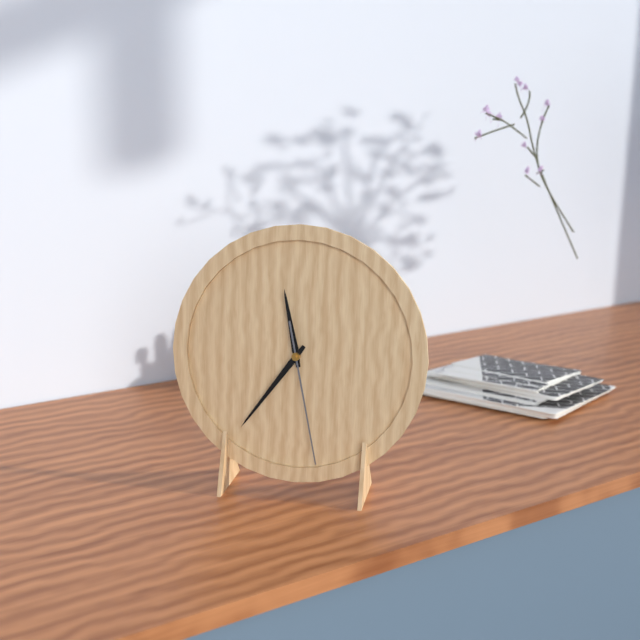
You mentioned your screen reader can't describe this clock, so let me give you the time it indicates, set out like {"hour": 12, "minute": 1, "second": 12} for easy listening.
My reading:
{"hour": 11, "minute": 36, "second": 28}
